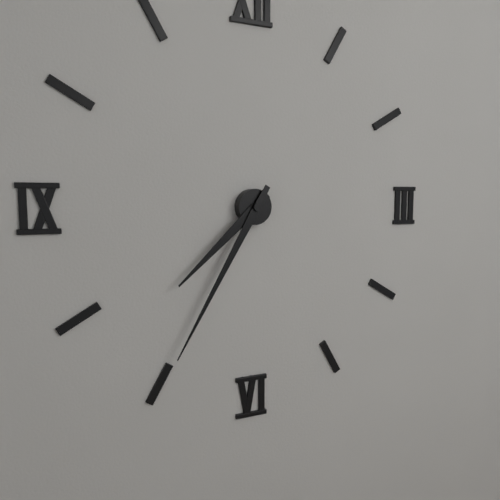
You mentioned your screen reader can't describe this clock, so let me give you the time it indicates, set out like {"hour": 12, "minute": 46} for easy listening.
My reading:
{"hour": 7, "minute": 35}
